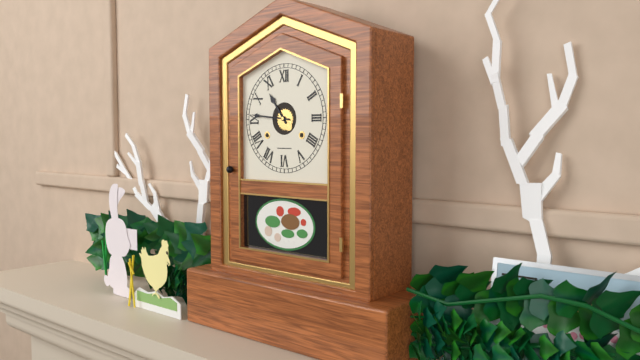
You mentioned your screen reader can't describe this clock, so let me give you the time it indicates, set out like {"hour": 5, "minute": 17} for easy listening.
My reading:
{"hour": 10, "minute": 46}
